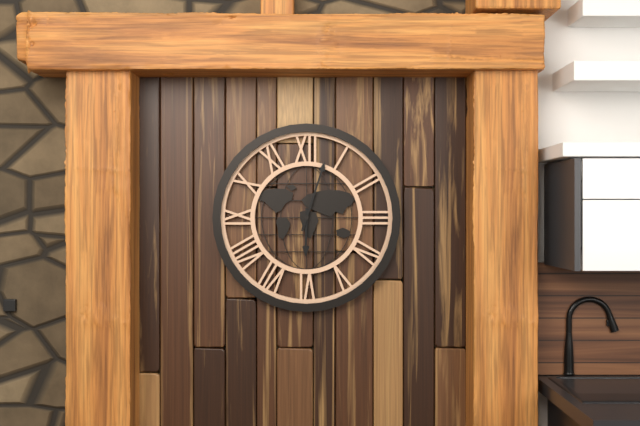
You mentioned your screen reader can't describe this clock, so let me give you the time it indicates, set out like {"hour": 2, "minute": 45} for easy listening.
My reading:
{"hour": 6, "minute": 3}
